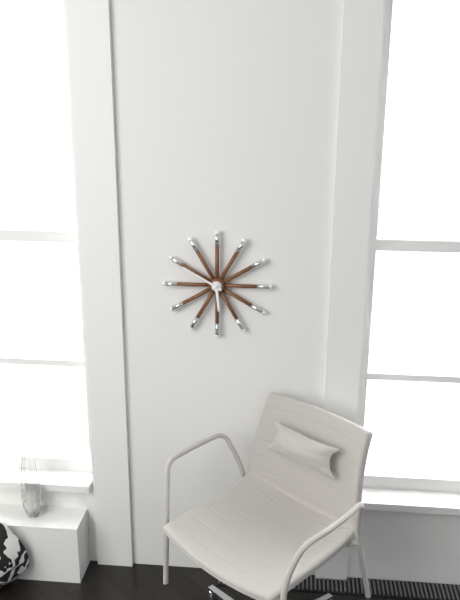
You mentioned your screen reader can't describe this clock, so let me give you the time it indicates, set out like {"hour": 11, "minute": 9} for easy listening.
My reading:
{"hour": 5, "minute": 50}
